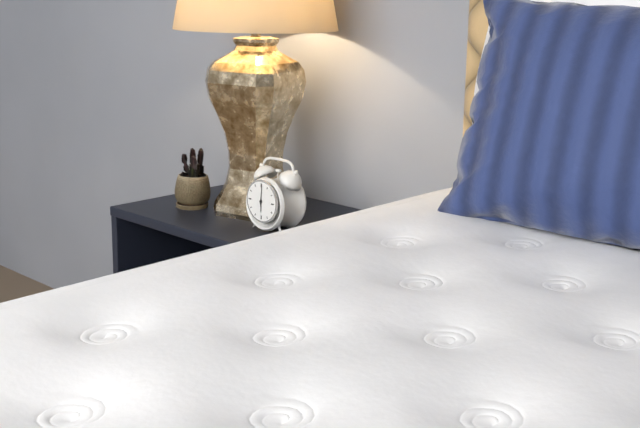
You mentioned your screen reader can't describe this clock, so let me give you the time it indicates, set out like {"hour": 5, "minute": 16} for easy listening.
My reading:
{"hour": 6, "minute": 1}
